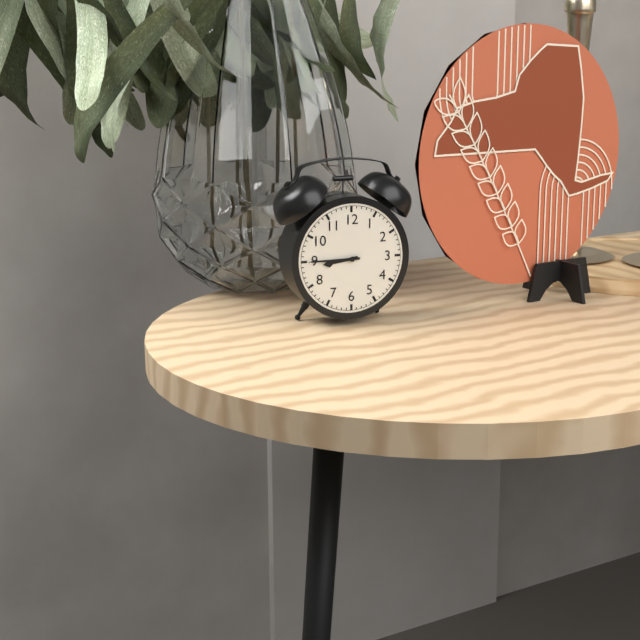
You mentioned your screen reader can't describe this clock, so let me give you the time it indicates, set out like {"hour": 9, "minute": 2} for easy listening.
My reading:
{"hour": 8, "minute": 45}
